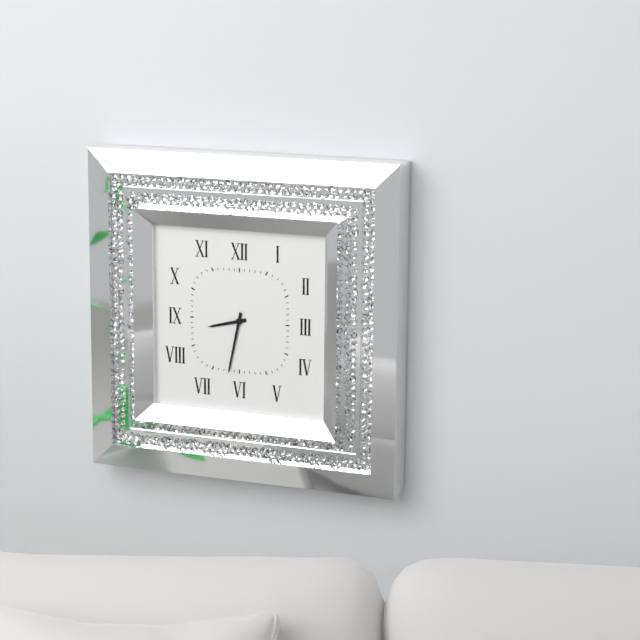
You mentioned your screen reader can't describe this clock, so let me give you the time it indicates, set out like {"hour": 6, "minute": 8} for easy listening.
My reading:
{"hour": 8, "minute": 32}
